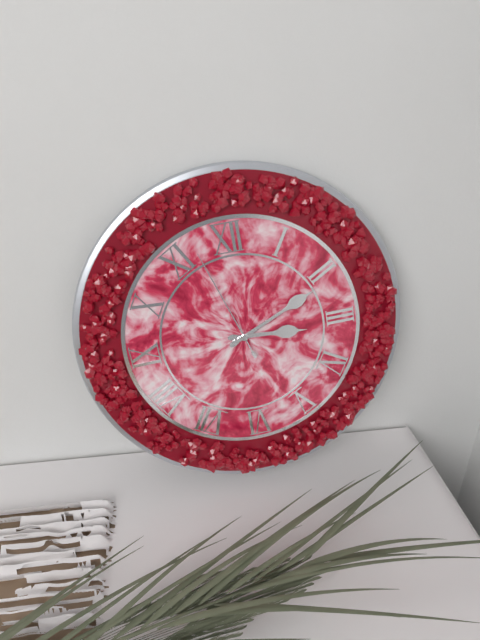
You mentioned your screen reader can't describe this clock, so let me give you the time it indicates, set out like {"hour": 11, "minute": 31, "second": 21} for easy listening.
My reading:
{"hour": 3, "minute": 11, "second": 57}
